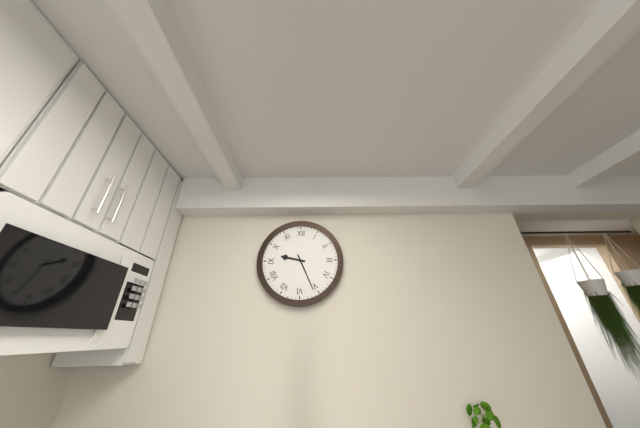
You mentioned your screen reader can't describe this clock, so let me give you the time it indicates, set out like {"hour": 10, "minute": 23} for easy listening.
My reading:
{"hour": 9, "minute": 26}
